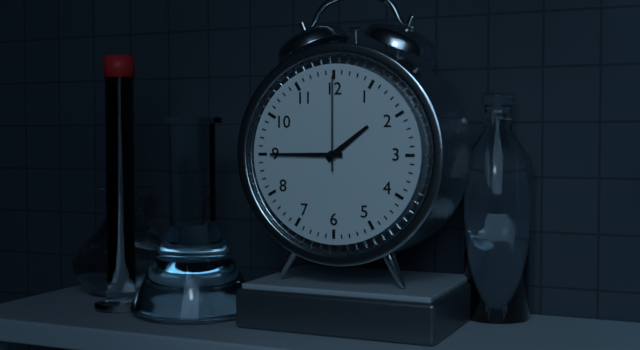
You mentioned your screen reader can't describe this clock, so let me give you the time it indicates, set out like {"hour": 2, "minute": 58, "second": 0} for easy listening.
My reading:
{"hour": 1, "minute": 45, "second": 0}
